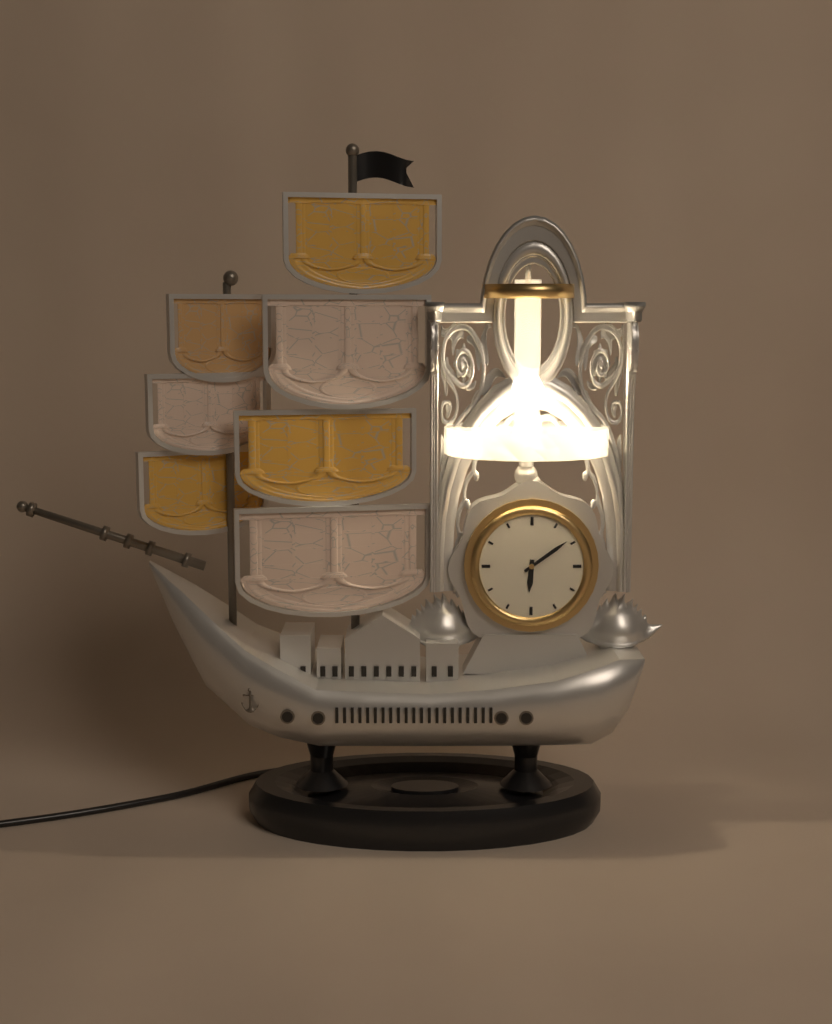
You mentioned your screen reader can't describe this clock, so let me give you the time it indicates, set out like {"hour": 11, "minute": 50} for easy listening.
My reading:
{"hour": 6, "minute": 9}
